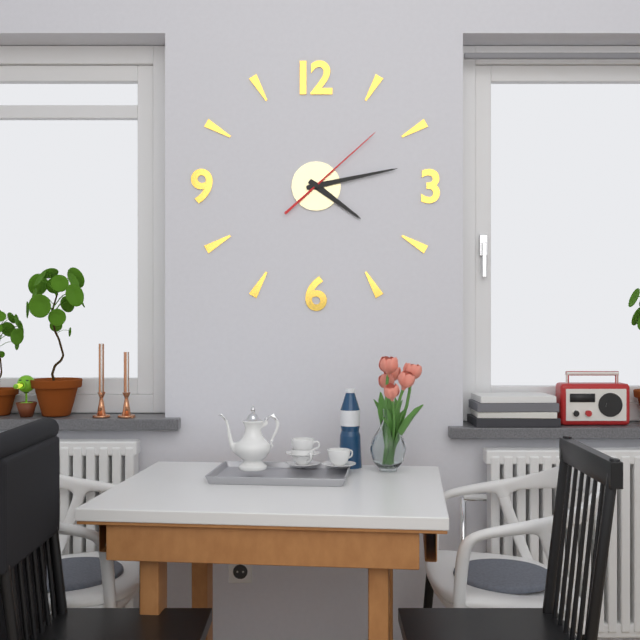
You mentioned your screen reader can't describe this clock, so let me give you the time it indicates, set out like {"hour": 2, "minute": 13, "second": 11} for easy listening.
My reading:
{"hour": 4, "minute": 13, "second": 8}
